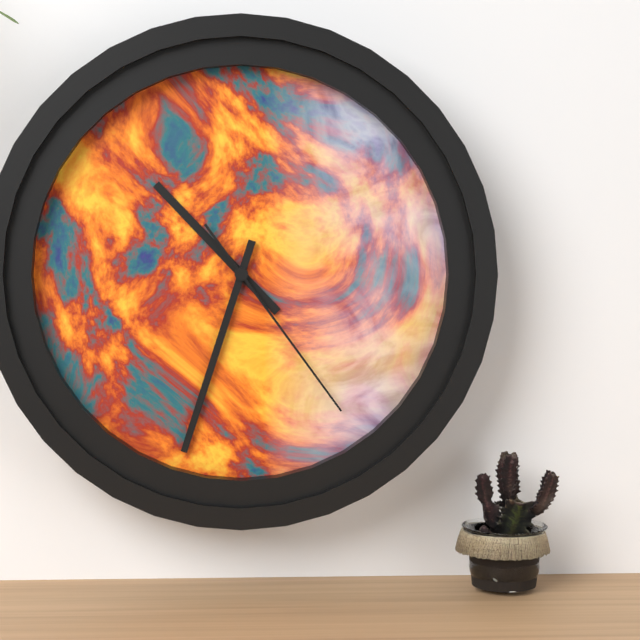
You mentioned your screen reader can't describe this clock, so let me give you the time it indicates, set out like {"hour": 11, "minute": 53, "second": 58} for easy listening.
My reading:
{"hour": 10, "minute": 33, "second": 24}
